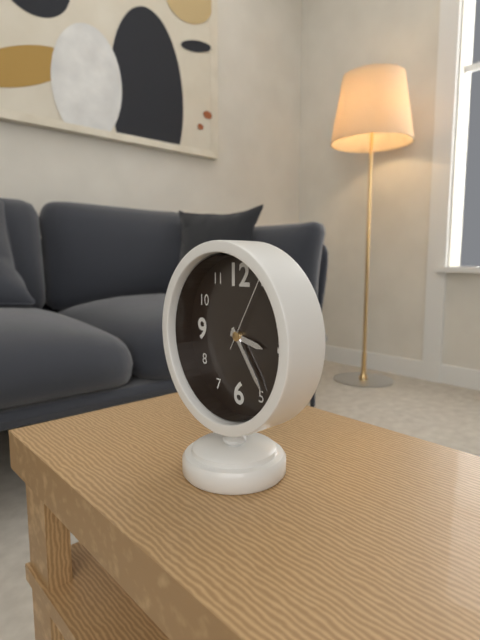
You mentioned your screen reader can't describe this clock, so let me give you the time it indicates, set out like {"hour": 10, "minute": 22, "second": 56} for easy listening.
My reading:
{"hour": 3, "minute": 24, "second": 5}
